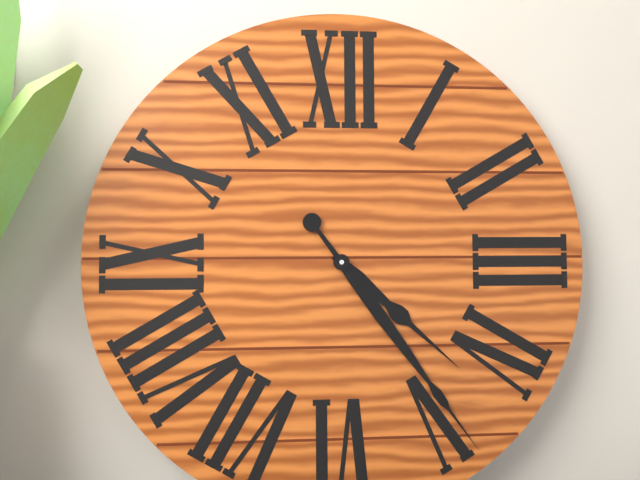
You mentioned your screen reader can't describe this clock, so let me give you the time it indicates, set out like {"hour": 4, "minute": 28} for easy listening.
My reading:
{"hour": 4, "minute": 24}
